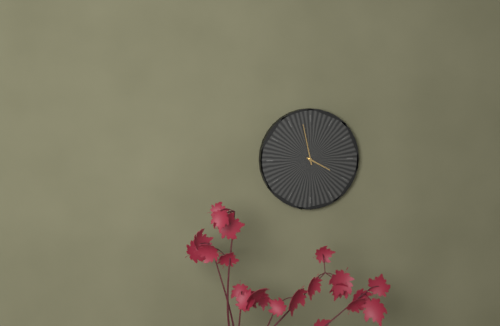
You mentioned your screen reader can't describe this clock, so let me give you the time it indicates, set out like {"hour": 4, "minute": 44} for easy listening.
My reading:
{"hour": 3, "minute": 58}
